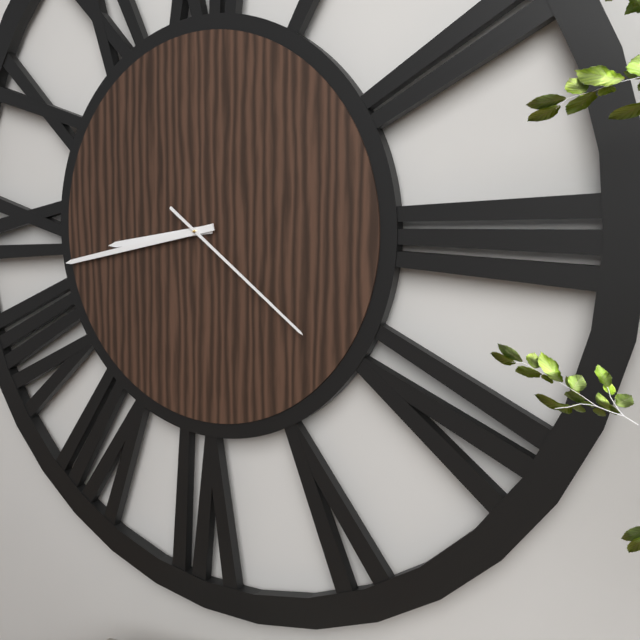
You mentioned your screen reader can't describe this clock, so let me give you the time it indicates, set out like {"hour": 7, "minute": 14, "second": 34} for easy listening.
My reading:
{"hour": 8, "minute": 43, "second": 21}
